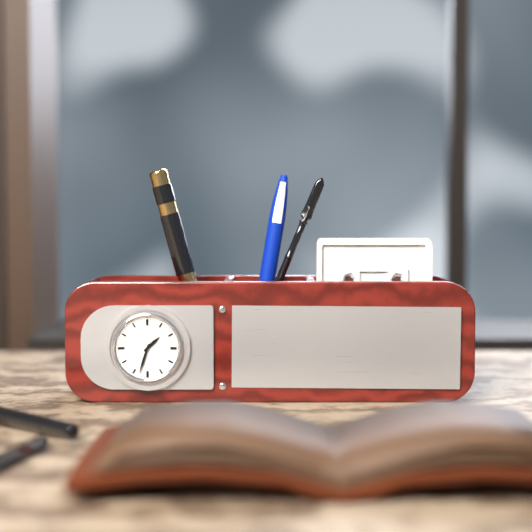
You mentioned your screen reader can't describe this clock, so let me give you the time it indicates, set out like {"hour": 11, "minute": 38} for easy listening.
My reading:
{"hour": 1, "minute": 33}
